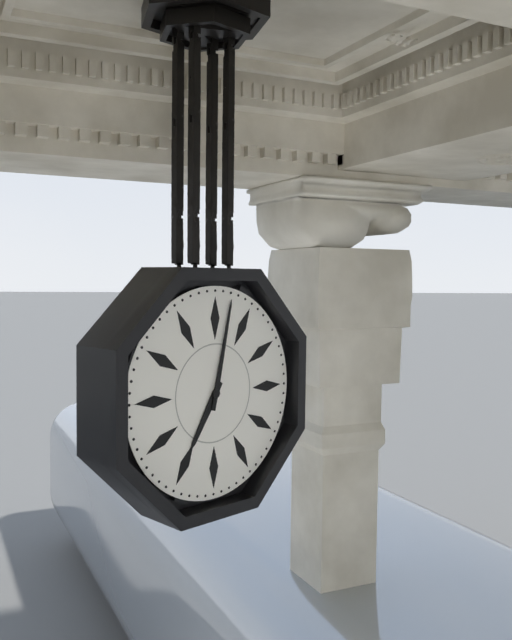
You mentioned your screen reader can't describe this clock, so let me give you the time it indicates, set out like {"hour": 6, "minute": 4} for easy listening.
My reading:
{"hour": 7, "minute": 2}
